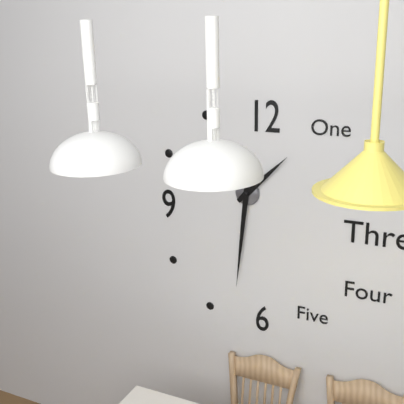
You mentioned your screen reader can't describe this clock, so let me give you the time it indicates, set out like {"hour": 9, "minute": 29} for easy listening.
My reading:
{"hour": 1, "minute": 31}
